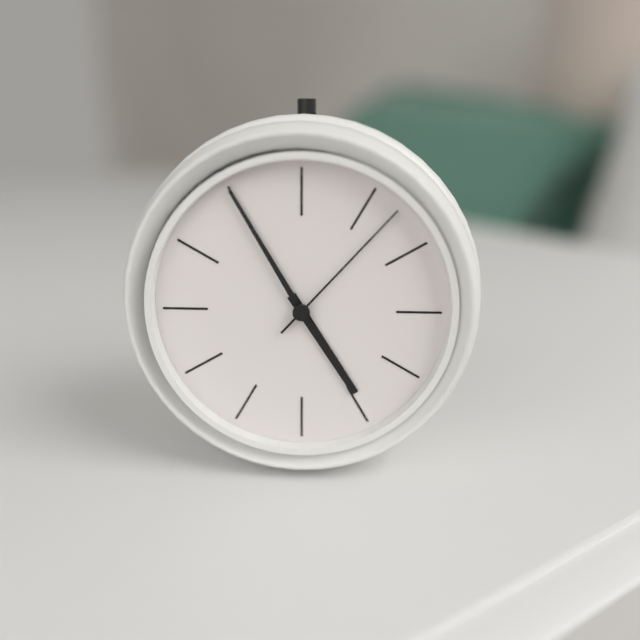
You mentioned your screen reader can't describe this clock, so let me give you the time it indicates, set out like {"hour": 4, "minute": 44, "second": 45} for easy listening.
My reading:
{"hour": 4, "minute": 55, "second": 7}
